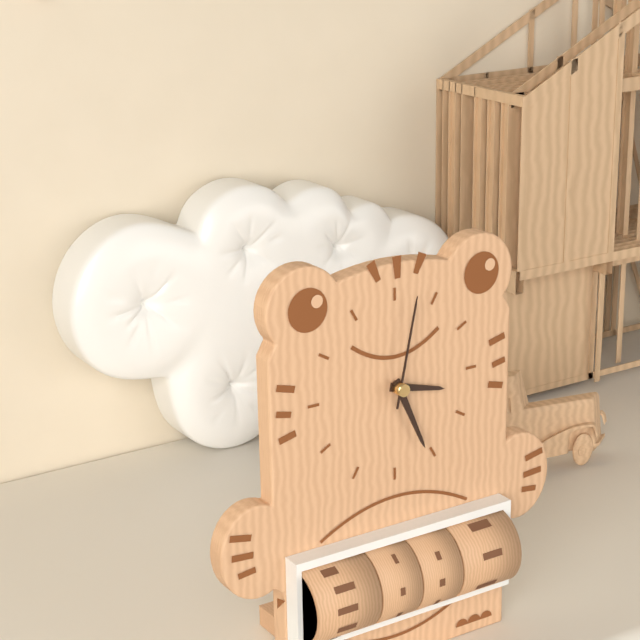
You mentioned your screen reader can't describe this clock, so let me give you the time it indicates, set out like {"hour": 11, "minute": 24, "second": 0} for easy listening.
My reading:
{"hour": 3, "minute": 26, "second": 2}
